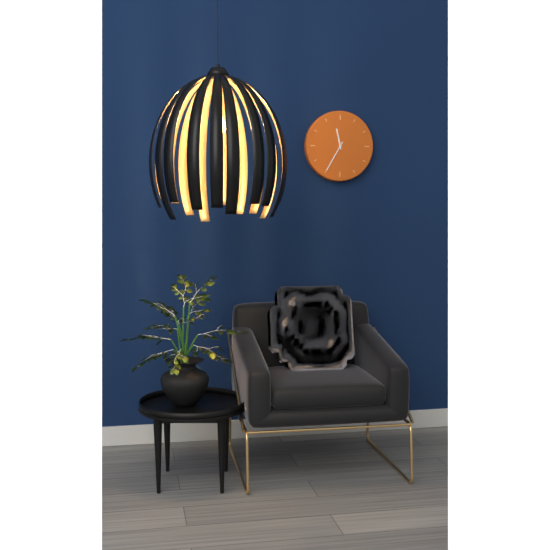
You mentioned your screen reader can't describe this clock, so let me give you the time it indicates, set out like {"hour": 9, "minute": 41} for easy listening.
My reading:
{"hour": 11, "minute": 35}
